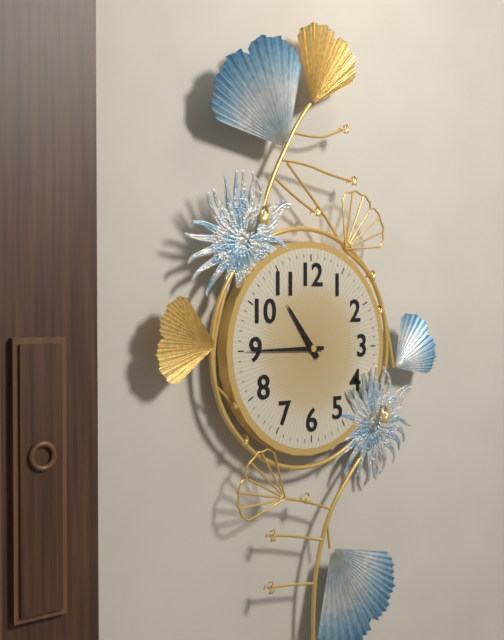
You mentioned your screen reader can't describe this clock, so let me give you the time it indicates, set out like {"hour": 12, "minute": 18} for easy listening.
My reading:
{"hour": 10, "minute": 45}
